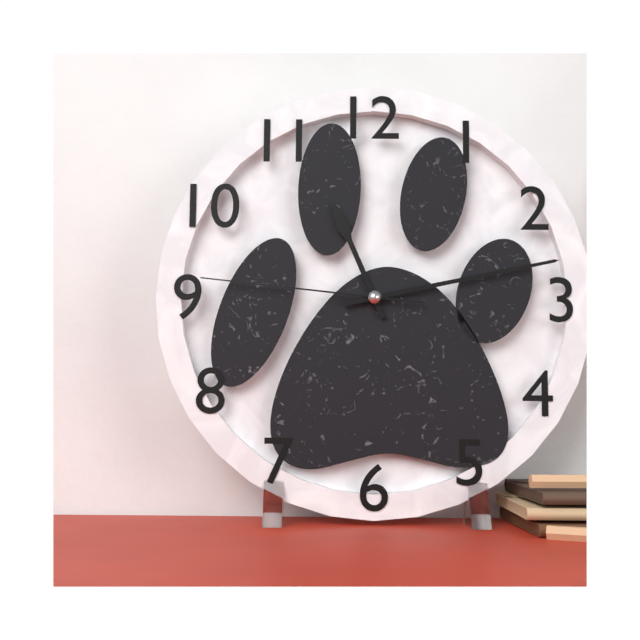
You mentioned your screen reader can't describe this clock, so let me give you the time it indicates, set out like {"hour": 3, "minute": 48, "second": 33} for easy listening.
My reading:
{"hour": 11, "minute": 13, "second": 46}
